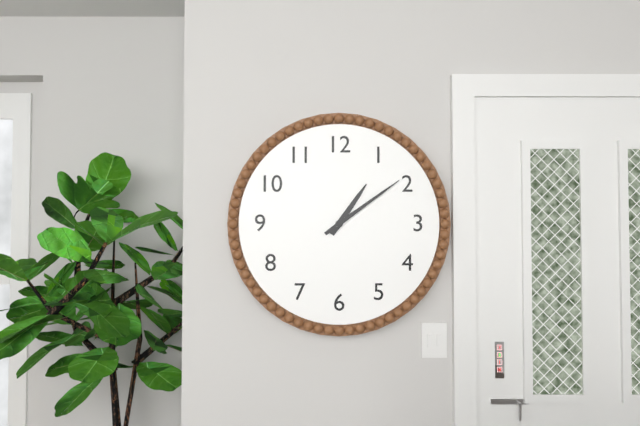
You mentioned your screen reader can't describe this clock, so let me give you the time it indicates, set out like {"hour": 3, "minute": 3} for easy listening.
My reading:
{"hour": 1, "minute": 9}
